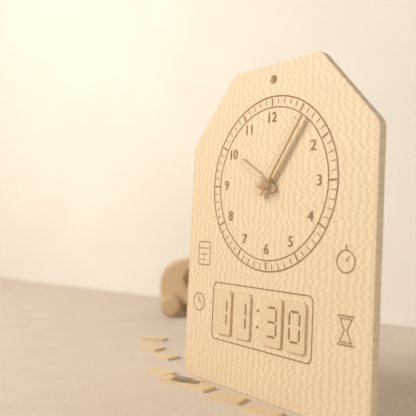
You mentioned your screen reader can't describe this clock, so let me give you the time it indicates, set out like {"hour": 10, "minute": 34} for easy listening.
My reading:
{"hour": 10, "minute": 6}
